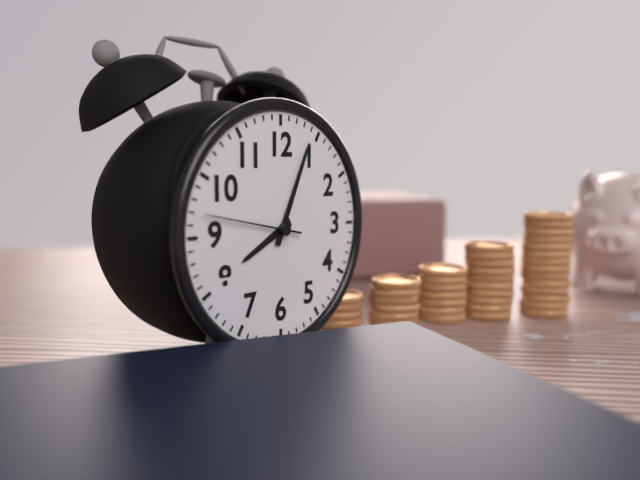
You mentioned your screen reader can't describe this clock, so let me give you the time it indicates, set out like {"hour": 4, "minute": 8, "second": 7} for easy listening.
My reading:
{"hour": 8, "minute": 4, "second": 47}
